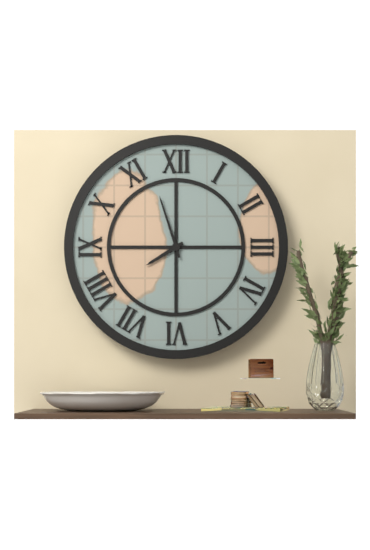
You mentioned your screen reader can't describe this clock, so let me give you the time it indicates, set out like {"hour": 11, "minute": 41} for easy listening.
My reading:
{"hour": 7, "minute": 57}
